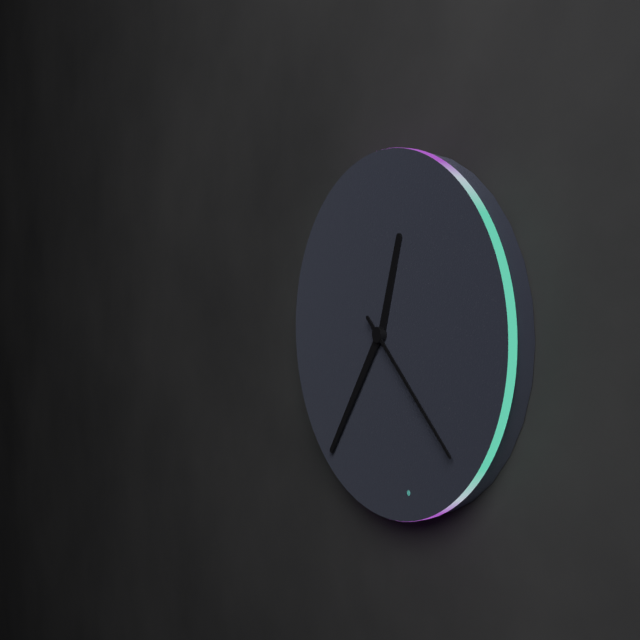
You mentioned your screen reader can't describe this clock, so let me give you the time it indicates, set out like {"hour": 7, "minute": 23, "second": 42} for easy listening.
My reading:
{"hour": 12, "minute": 36, "second": 22}
